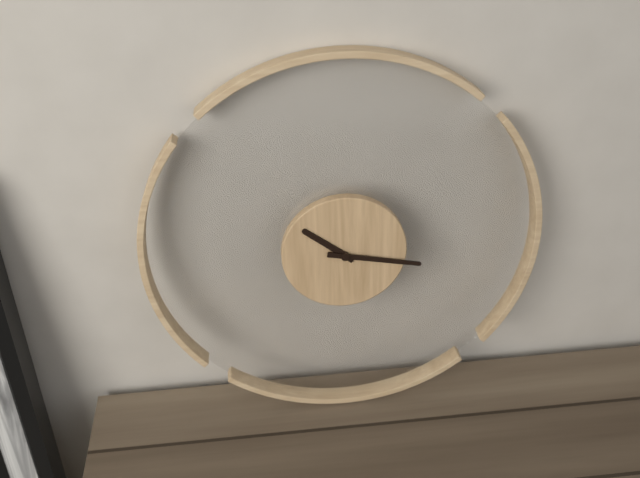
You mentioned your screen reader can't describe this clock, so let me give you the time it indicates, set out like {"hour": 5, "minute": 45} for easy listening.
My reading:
{"hour": 10, "minute": 17}
